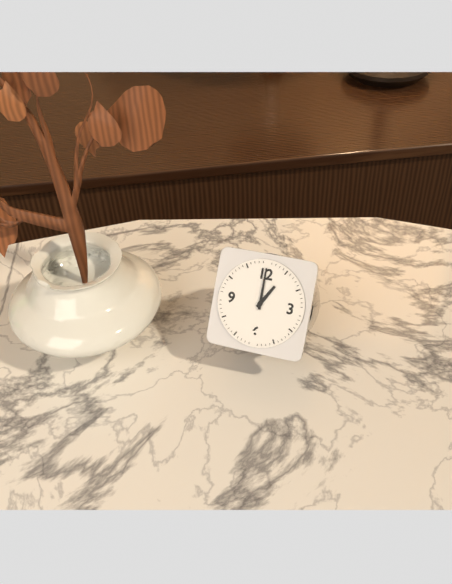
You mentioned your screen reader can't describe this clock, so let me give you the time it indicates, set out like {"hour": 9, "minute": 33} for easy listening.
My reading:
{"hour": 1, "minute": 0}
